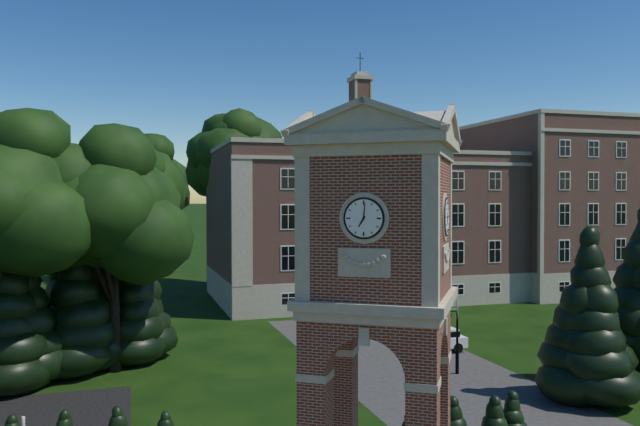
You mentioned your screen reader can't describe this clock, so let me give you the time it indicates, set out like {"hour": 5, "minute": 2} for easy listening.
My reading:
{"hour": 7, "minute": 1}
